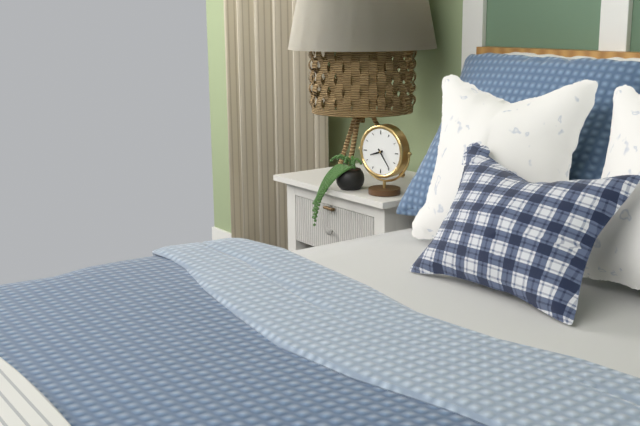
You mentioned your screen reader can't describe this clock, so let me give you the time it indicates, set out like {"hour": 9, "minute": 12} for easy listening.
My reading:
{"hour": 8, "minute": 24}
